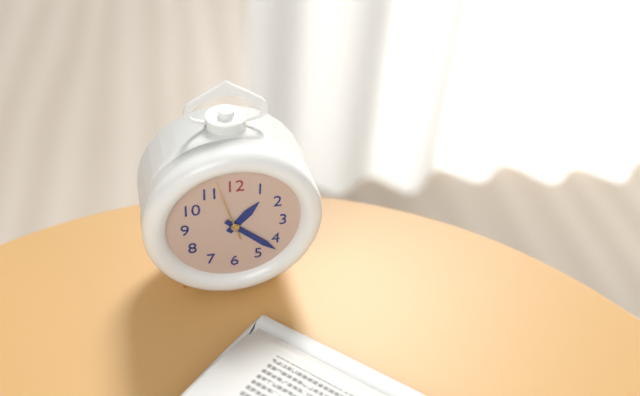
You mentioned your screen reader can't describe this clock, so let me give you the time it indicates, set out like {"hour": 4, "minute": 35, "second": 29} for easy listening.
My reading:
{"hour": 1, "minute": 22, "second": 57}
